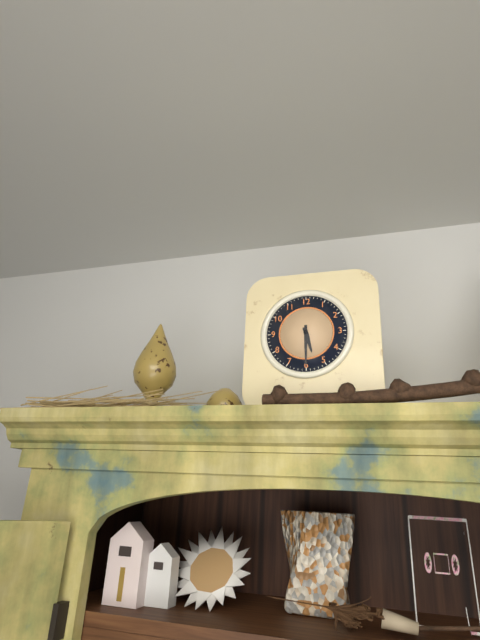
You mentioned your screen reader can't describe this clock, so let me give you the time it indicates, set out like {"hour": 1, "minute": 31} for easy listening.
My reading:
{"hour": 5, "minute": 30}
